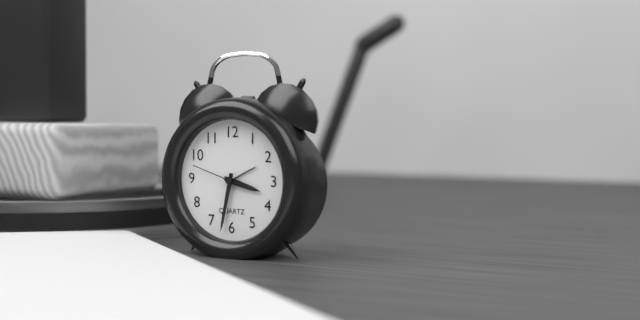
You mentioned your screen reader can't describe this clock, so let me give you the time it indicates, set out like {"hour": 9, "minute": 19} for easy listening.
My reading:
{"hour": 3, "minute": 32}
